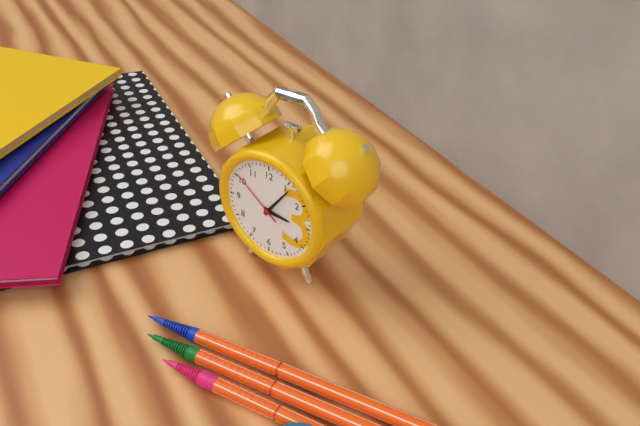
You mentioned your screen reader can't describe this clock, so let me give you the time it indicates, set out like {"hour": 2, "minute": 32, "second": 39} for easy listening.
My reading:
{"hour": 3, "minute": 6, "second": 51}
